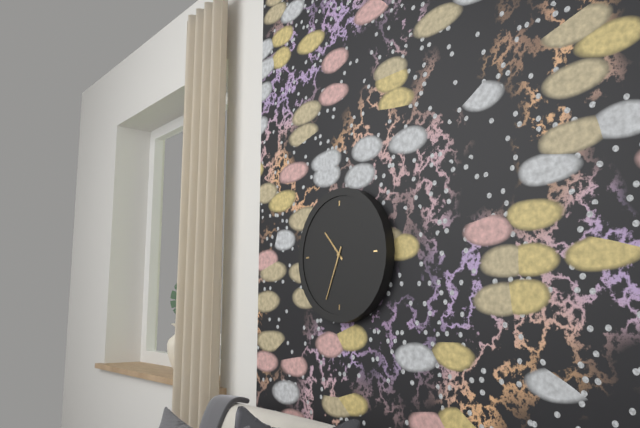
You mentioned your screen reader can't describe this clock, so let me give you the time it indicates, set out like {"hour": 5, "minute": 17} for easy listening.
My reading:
{"hour": 10, "minute": 34}
